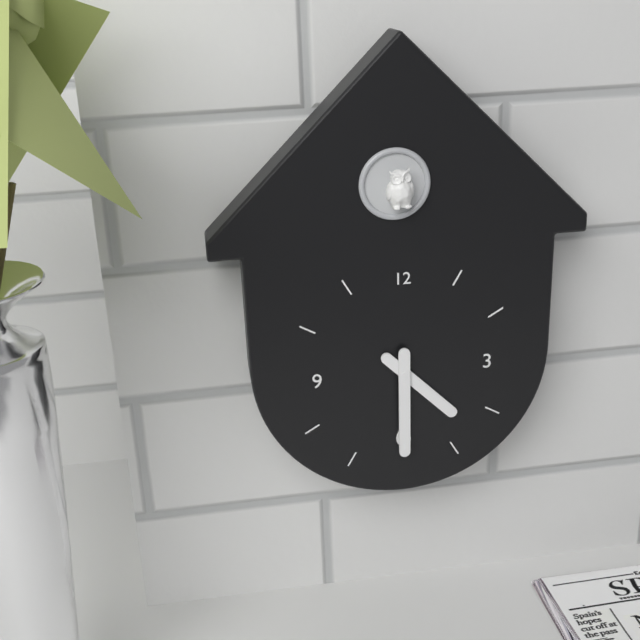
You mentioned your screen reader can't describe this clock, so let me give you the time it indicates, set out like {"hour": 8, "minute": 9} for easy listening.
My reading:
{"hour": 4, "minute": 30}
